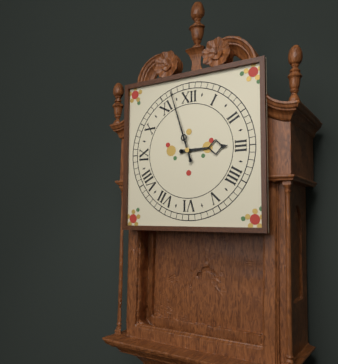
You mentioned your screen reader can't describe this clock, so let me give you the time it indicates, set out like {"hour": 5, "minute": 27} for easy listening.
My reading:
{"hour": 2, "minute": 57}
